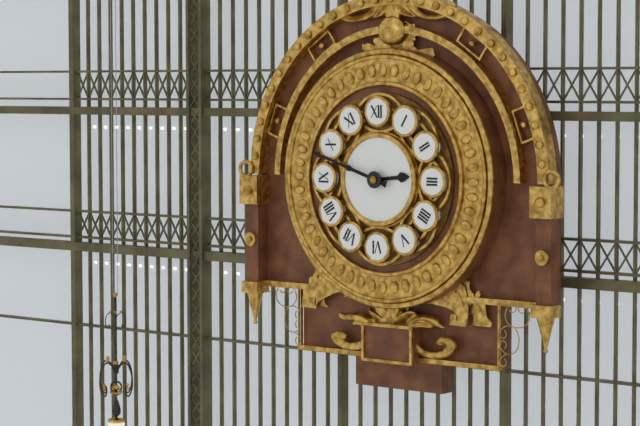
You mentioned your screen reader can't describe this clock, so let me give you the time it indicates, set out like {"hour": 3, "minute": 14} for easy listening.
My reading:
{"hour": 2, "minute": 48}
